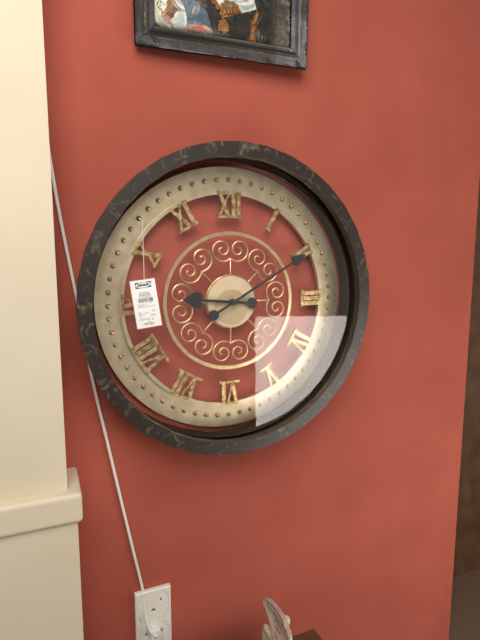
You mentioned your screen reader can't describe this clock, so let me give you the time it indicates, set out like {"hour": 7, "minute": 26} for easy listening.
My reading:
{"hour": 9, "minute": 10}
